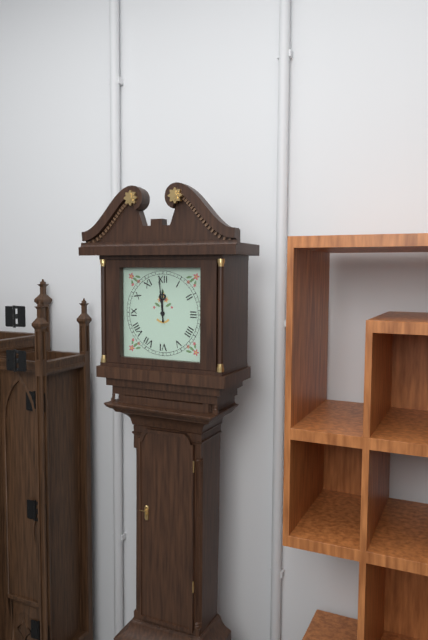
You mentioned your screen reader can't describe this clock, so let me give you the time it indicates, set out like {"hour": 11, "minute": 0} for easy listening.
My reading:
{"hour": 11, "minute": 59}
